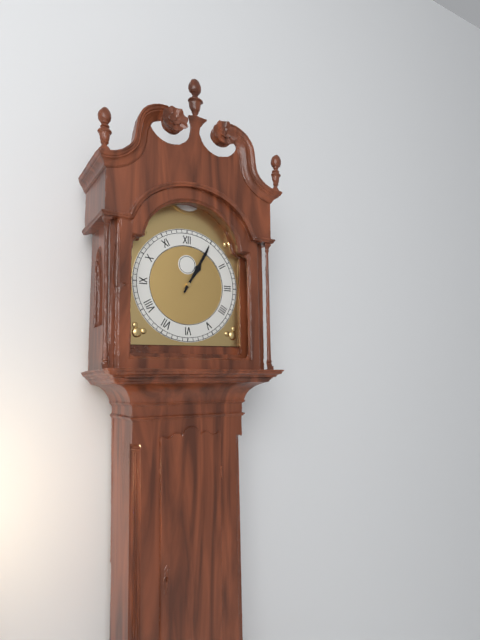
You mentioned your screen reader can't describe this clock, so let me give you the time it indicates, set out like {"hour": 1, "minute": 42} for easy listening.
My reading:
{"hour": 1, "minute": 5}
